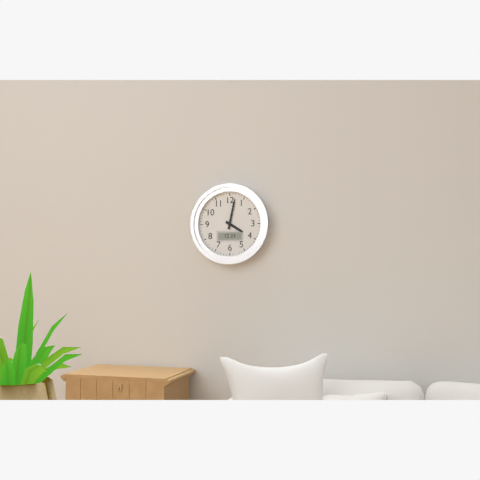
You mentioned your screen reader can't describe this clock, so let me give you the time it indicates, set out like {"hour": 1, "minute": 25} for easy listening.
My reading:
{"hour": 4, "minute": 2}
